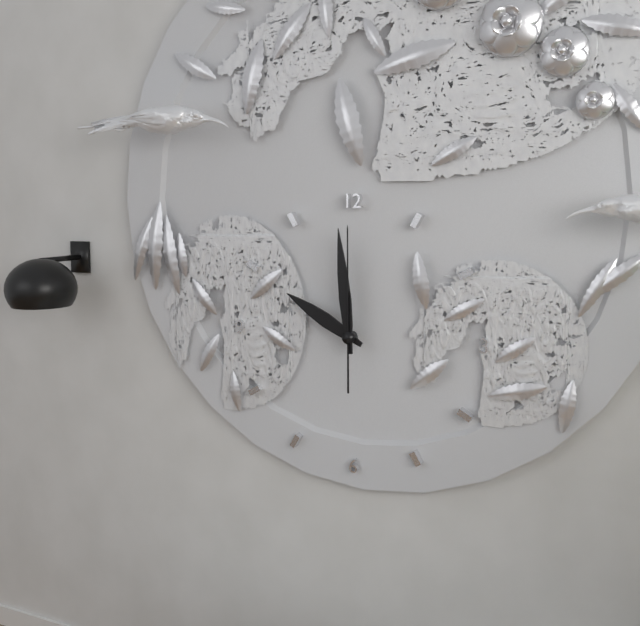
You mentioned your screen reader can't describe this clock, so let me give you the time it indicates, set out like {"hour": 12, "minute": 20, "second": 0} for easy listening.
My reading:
{"hour": 9, "minute": 59, "second": 0}
